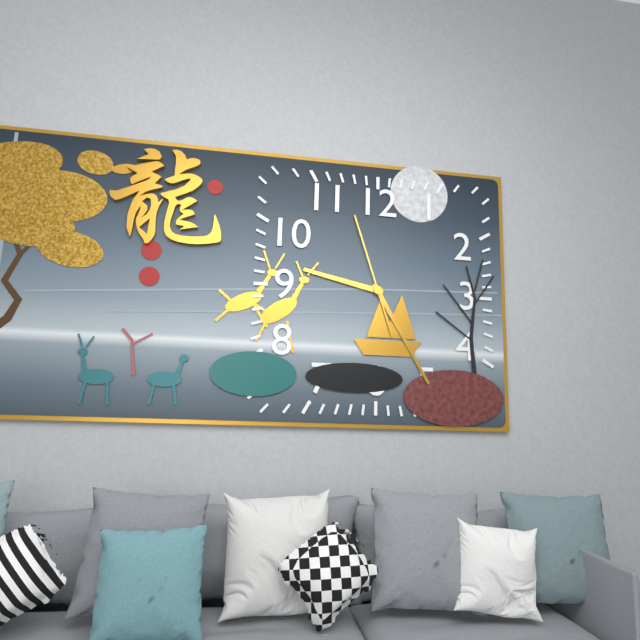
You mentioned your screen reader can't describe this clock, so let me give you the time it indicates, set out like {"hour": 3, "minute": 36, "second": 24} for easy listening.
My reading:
{"hour": 9, "minute": 25, "second": 57}
